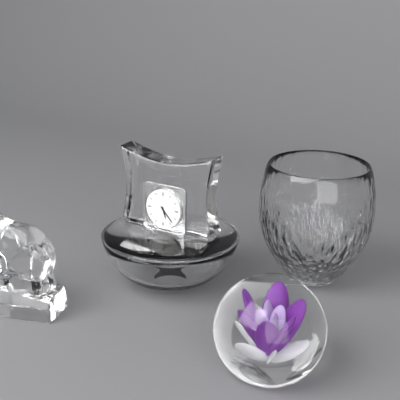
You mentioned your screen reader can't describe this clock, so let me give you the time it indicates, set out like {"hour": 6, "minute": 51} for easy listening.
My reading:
{"hour": 5, "minute": 23}
